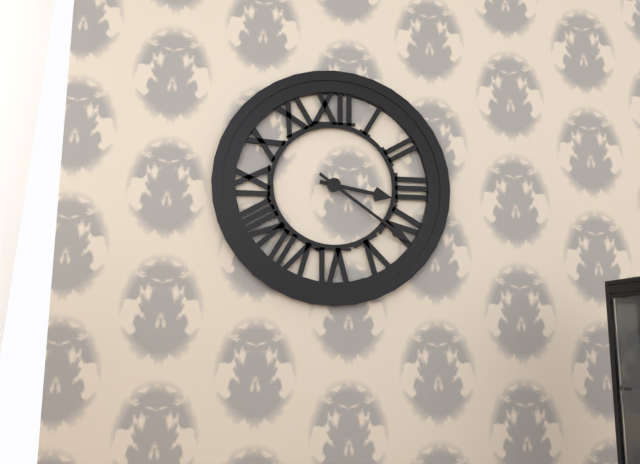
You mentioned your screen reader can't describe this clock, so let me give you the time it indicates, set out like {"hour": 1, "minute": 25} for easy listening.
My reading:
{"hour": 3, "minute": 21}
